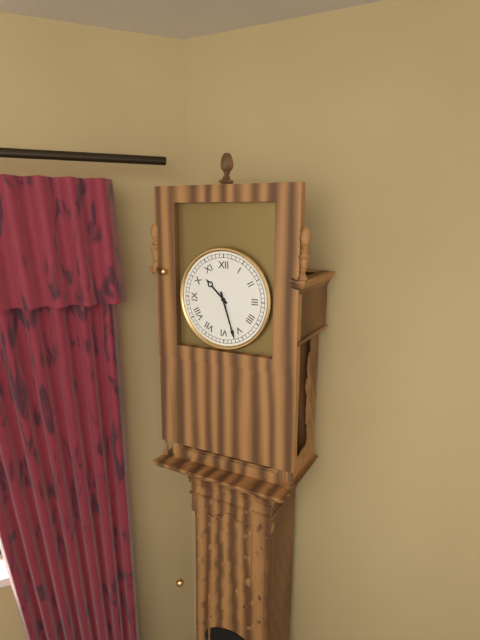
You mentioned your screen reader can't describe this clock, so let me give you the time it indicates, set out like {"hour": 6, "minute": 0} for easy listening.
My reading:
{"hour": 10, "minute": 27}
